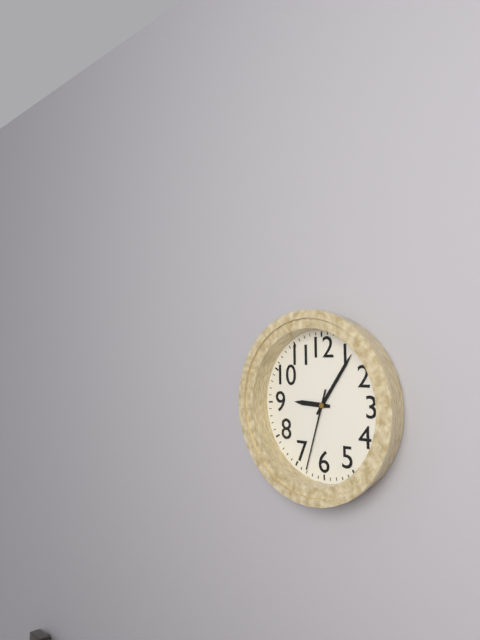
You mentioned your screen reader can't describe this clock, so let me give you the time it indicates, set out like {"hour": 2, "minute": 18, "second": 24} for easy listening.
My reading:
{"hour": 9, "minute": 6, "second": 33}
